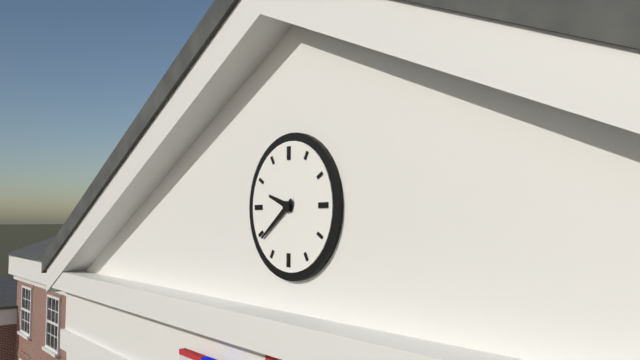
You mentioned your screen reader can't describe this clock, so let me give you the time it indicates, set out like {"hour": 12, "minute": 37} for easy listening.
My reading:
{"hour": 9, "minute": 39}
